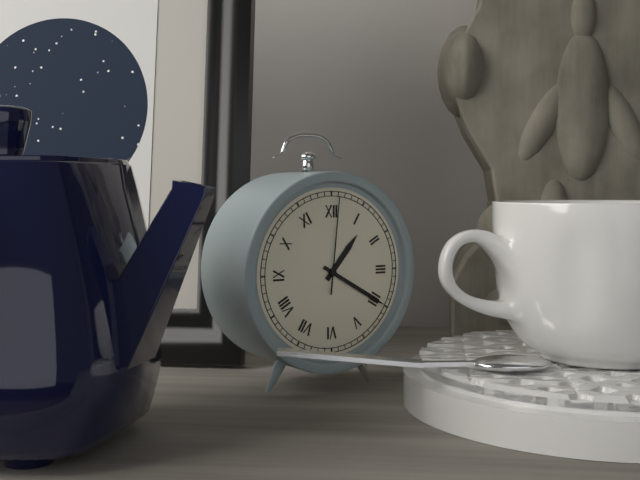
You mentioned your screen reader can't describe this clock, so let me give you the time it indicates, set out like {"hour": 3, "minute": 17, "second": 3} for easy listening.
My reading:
{"hour": 1, "minute": 20, "second": 1}
